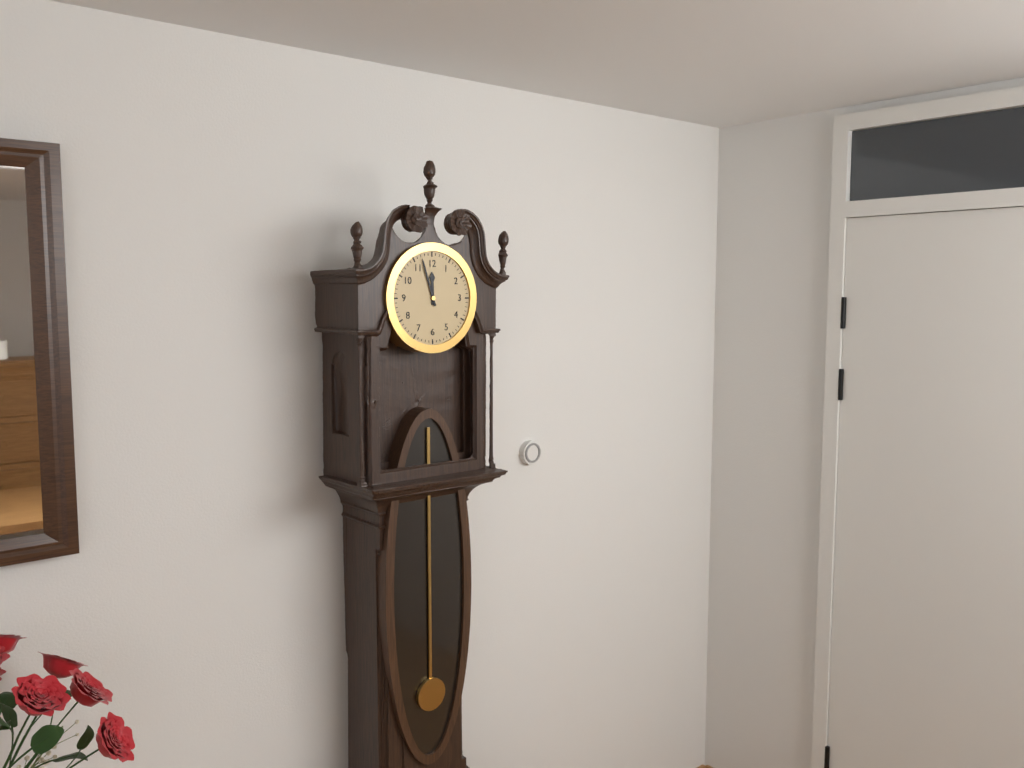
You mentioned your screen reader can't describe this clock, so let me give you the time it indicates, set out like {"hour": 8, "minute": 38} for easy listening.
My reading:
{"hour": 11, "minute": 57}
